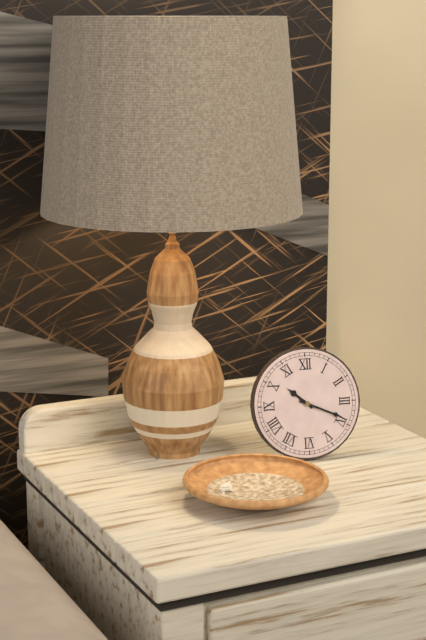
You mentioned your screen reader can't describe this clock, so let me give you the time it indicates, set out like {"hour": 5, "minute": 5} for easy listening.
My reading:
{"hour": 10, "minute": 19}
